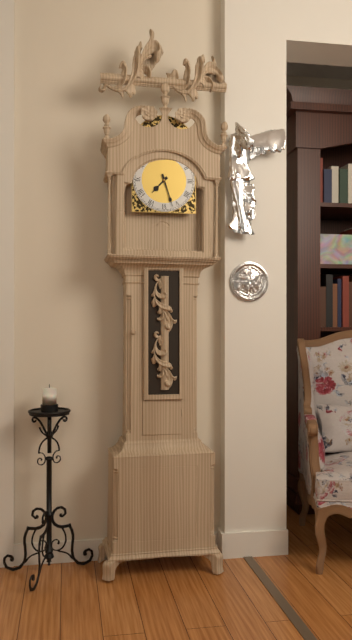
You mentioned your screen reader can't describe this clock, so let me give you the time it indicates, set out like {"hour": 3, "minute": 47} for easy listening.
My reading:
{"hour": 7, "minute": 27}
